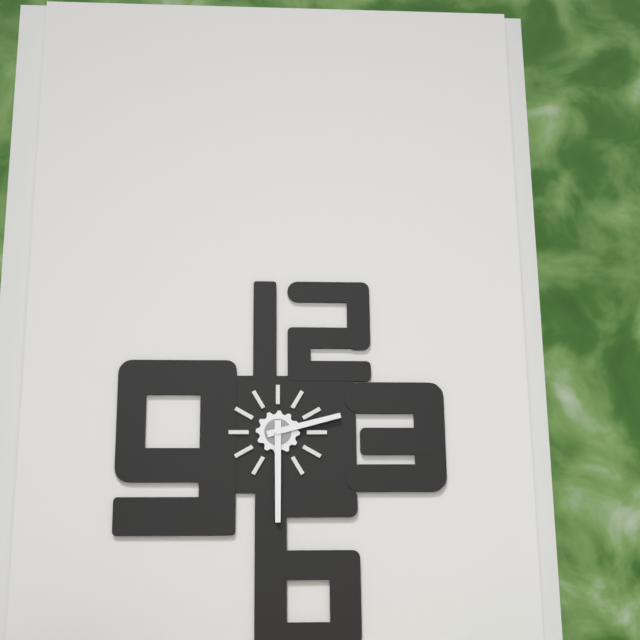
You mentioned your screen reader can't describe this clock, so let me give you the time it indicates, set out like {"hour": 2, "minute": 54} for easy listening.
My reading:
{"hour": 2, "minute": 30}
